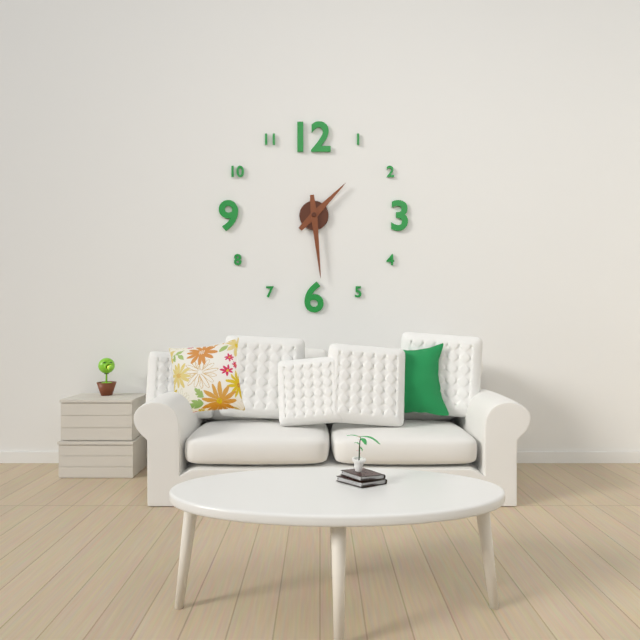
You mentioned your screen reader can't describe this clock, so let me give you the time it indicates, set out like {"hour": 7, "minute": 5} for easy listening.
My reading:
{"hour": 1, "minute": 29}
